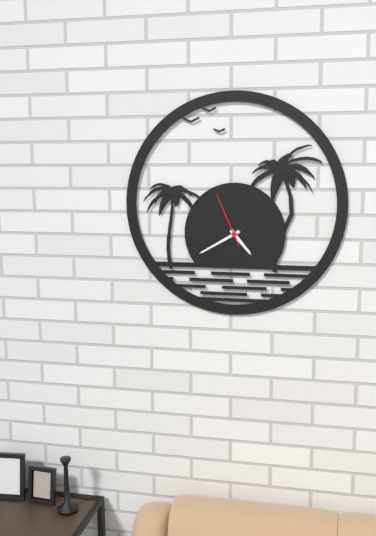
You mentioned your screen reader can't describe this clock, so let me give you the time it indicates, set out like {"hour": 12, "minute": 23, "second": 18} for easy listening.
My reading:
{"hour": 4, "minute": 40, "second": 56}
